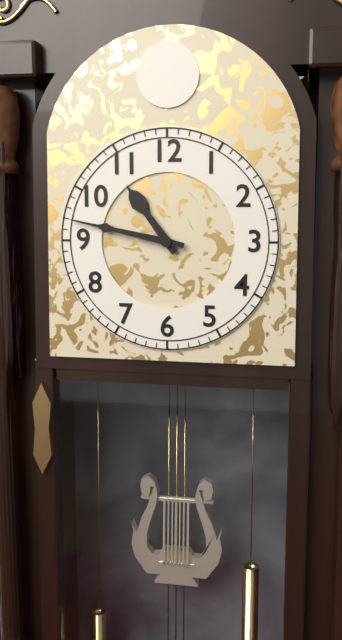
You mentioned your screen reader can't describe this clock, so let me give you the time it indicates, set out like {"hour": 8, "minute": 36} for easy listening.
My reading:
{"hour": 10, "minute": 47}
